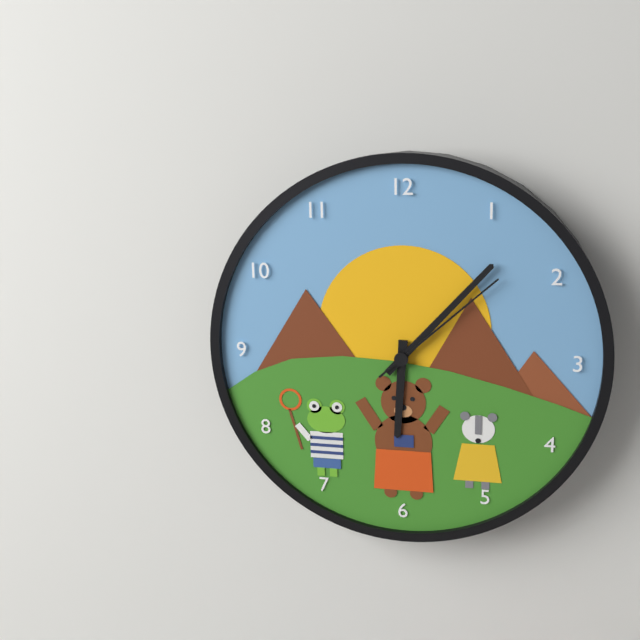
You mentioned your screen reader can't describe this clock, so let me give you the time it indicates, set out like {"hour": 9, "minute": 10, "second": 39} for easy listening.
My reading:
{"hour": 6, "minute": 7, "second": 8}
